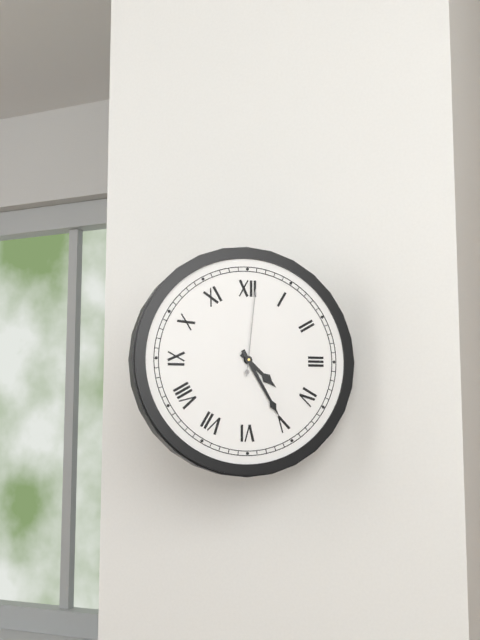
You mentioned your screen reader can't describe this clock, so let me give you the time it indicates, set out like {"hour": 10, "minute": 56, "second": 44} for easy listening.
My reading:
{"hour": 4, "minute": 25, "second": 1}
